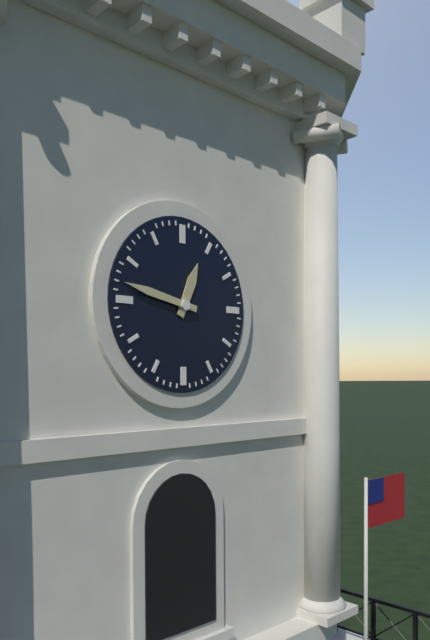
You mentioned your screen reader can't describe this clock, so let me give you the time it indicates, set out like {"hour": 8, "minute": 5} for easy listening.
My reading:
{"hour": 12, "minute": 47}
